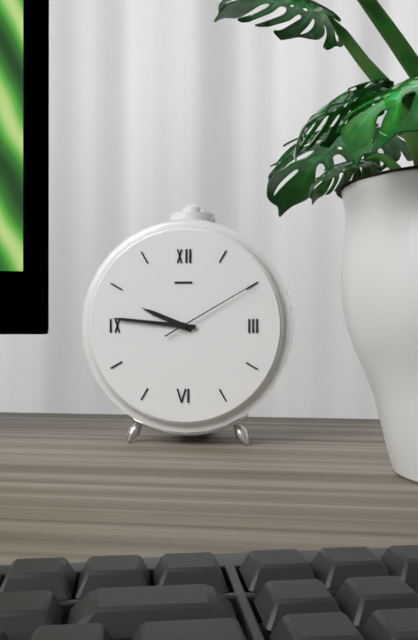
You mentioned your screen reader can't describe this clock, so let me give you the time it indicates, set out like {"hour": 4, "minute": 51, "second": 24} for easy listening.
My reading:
{"hour": 9, "minute": 46, "second": 10}
